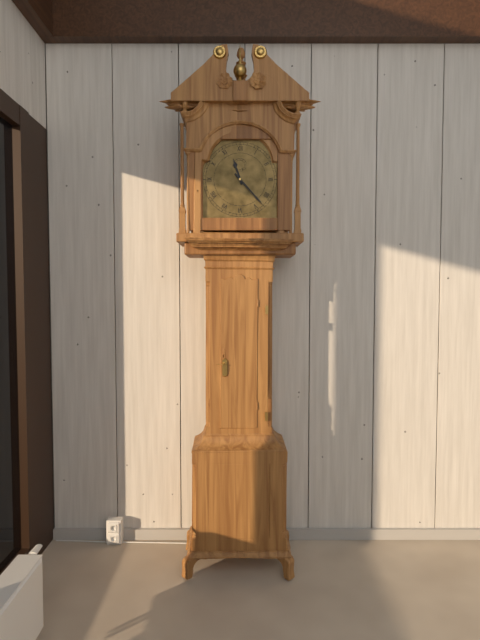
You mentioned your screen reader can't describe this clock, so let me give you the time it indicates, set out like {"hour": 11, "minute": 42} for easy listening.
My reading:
{"hour": 11, "minute": 23}
